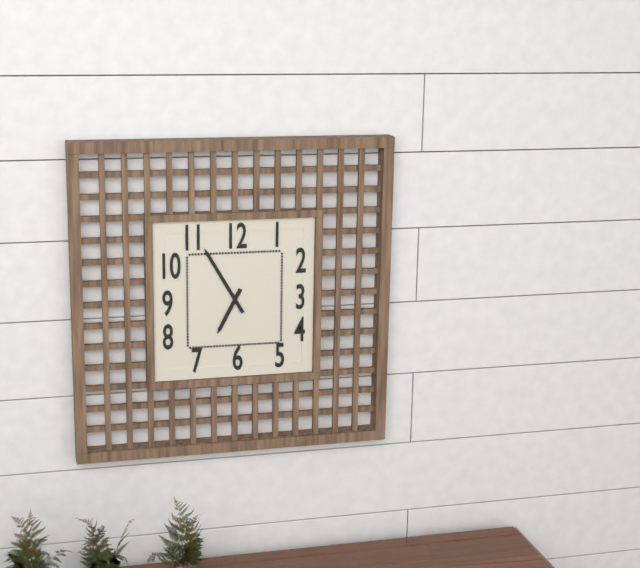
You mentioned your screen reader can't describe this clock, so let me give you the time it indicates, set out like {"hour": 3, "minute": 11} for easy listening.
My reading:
{"hour": 6, "minute": 55}
